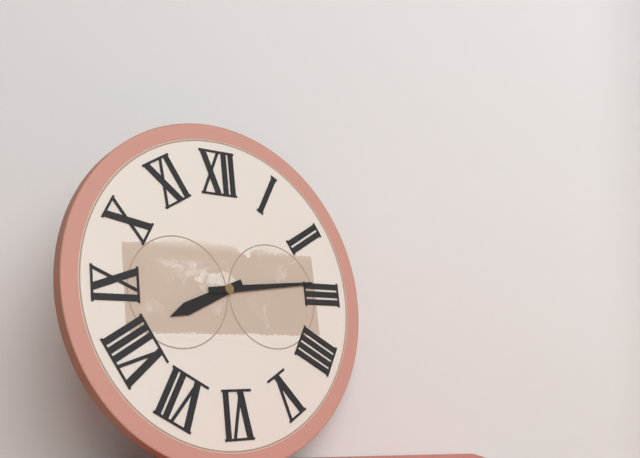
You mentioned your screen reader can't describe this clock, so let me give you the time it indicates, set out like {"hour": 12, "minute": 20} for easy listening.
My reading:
{"hour": 8, "minute": 14}
